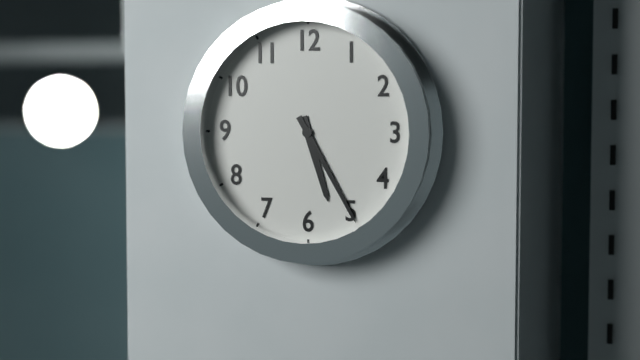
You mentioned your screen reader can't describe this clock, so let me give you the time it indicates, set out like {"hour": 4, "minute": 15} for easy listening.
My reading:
{"hour": 5, "minute": 25}
